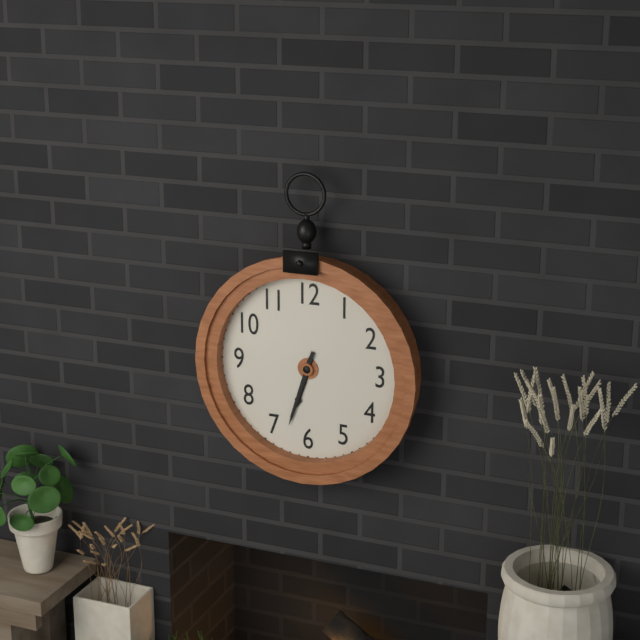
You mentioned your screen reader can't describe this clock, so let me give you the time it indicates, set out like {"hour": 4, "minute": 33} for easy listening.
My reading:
{"hour": 6, "minute": 33}
